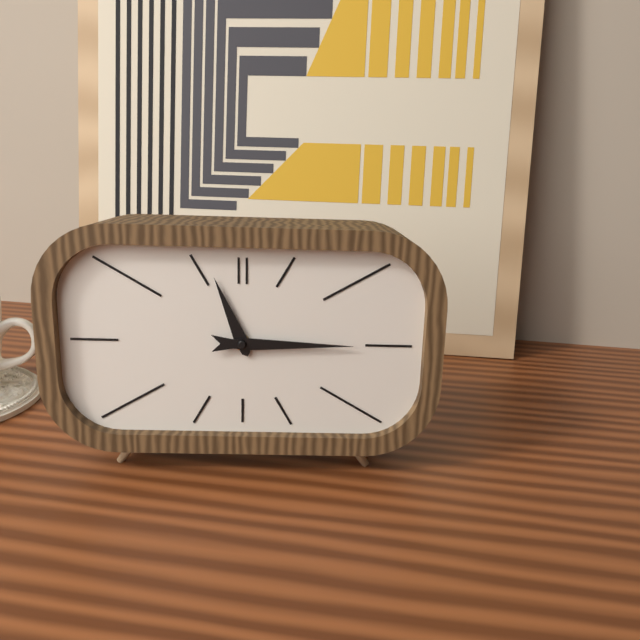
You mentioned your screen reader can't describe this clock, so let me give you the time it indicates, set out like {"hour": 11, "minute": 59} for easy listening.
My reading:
{"hour": 11, "minute": 15}
